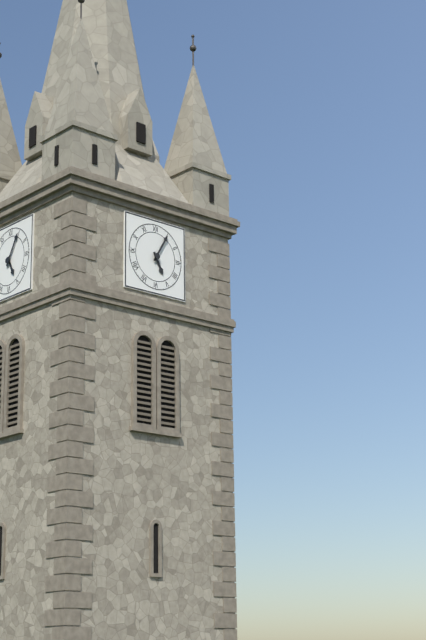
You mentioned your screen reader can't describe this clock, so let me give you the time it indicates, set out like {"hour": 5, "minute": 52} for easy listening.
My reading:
{"hour": 5, "minute": 5}
